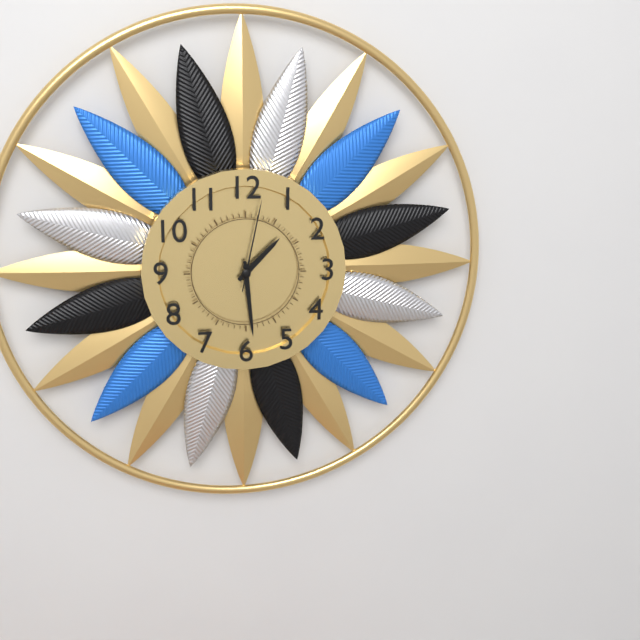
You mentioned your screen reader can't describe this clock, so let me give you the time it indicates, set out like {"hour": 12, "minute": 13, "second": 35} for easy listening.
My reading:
{"hour": 1, "minute": 29, "second": 2}
